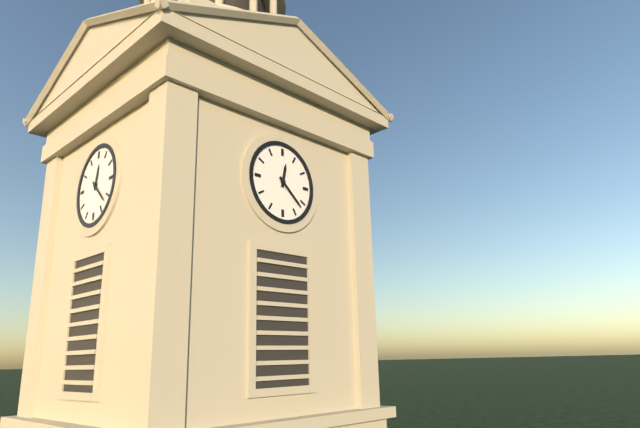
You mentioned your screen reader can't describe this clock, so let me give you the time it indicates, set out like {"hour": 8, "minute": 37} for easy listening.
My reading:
{"hour": 12, "minute": 22}
